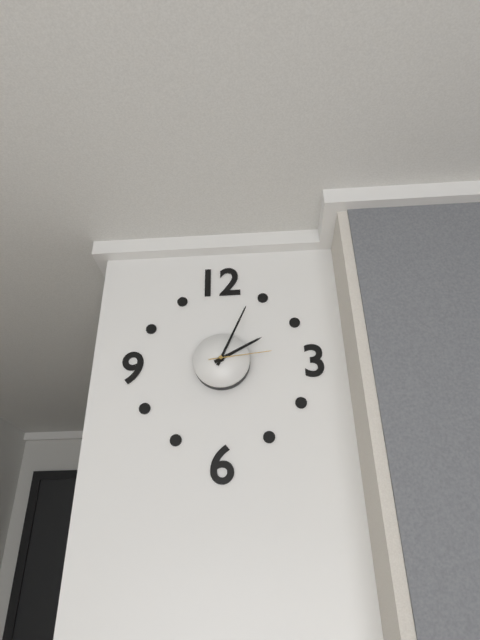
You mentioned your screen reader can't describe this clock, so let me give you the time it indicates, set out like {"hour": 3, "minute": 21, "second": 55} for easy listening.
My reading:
{"hour": 2, "minute": 4, "second": 14}
